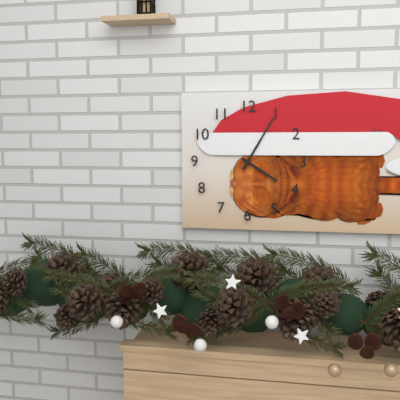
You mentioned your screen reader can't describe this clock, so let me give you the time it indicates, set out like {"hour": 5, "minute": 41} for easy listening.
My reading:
{"hour": 4, "minute": 5}
